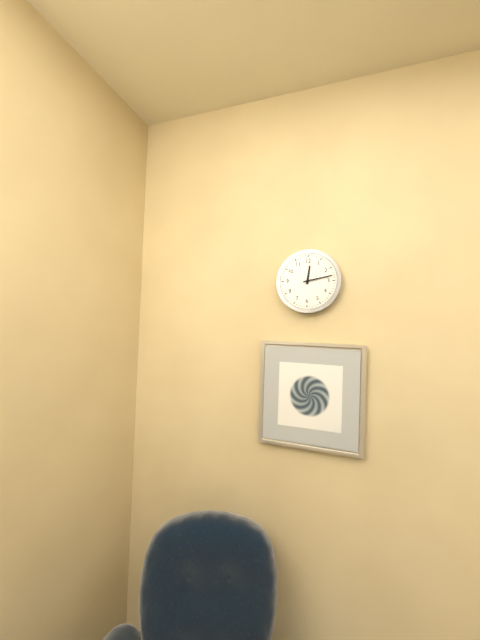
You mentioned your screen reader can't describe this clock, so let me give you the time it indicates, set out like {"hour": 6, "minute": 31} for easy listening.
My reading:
{"hour": 12, "minute": 13}
